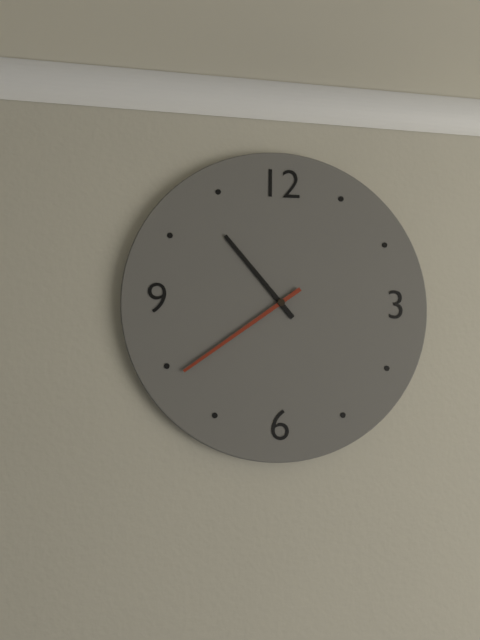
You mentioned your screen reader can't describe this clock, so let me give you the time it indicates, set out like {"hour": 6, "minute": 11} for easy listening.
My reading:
{"hour": 10, "minute": 39}
